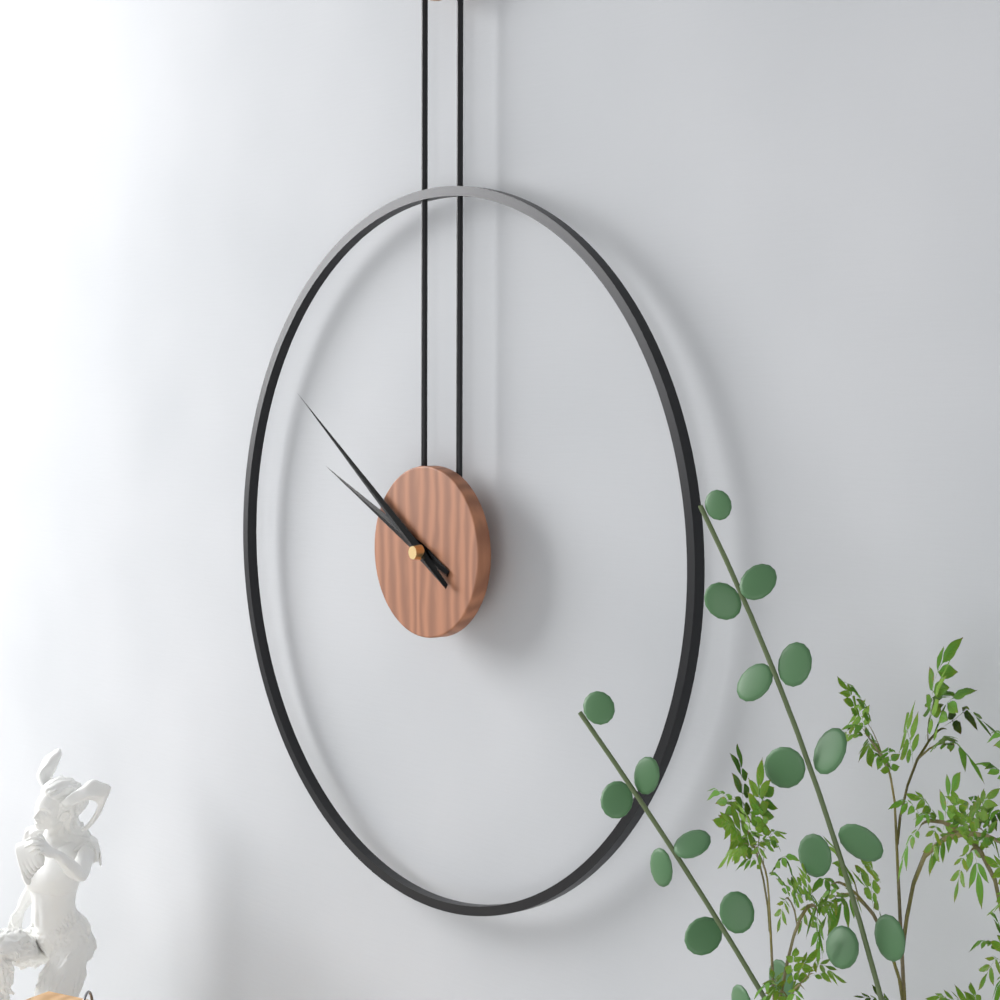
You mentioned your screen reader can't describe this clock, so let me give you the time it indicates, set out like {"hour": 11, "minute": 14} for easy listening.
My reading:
{"hour": 9, "minute": 51}
